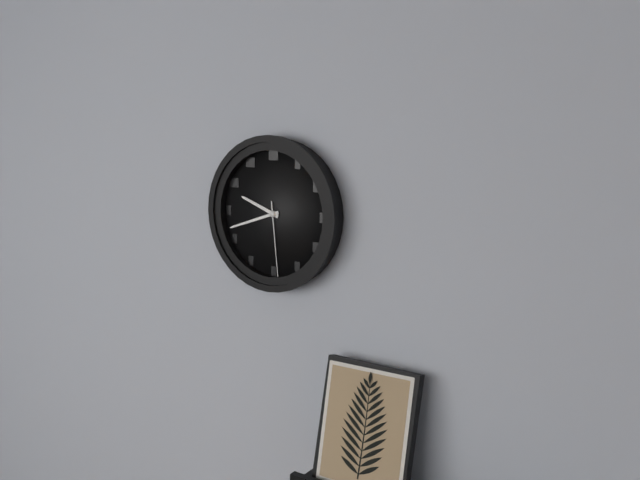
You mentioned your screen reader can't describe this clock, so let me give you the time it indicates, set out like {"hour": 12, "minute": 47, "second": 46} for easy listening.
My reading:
{"hour": 9, "minute": 42, "second": 29}
